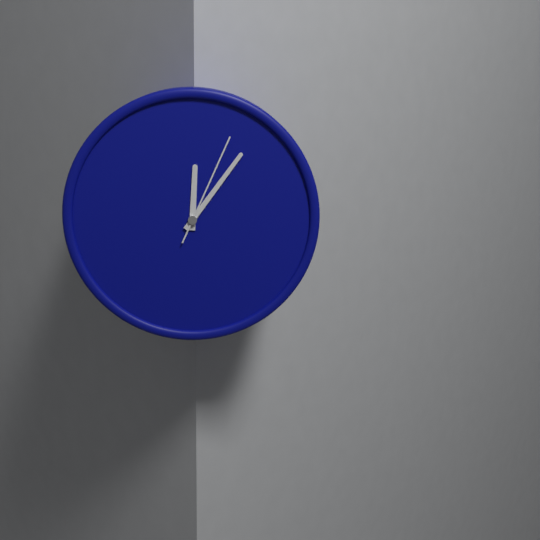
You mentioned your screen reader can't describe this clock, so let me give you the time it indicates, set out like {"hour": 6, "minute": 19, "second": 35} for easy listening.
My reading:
{"hour": 12, "minute": 6, "second": 4}
